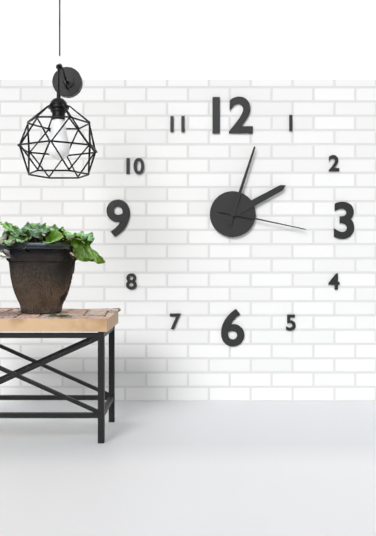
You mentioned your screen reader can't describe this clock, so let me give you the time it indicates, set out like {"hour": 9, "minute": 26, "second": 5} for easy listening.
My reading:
{"hour": 2, "minute": 3, "second": 17}
